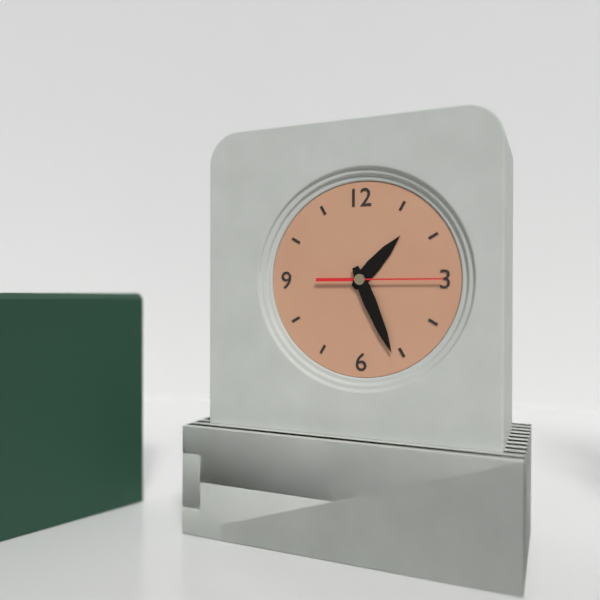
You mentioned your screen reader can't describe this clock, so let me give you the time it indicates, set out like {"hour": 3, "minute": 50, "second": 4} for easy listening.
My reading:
{"hour": 1, "minute": 26, "second": 15}
